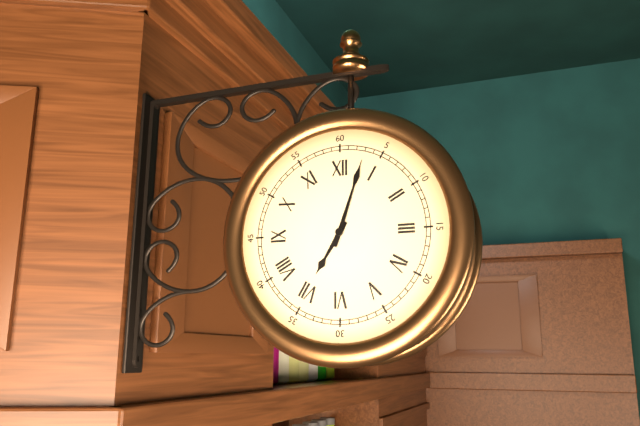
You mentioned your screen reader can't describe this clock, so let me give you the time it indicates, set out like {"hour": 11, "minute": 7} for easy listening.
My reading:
{"hour": 7, "minute": 3}
